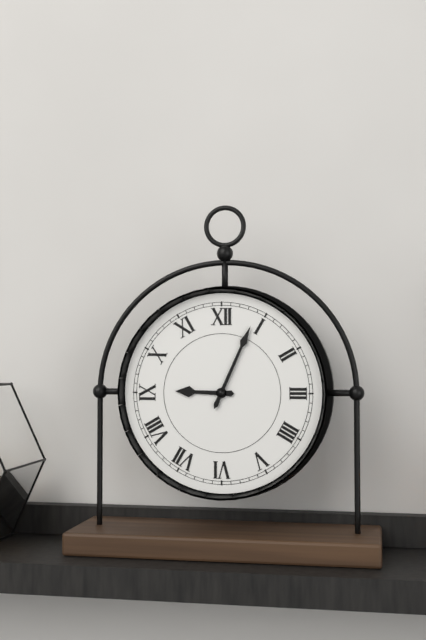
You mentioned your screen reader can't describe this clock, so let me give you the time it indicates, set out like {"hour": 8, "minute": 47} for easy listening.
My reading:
{"hour": 9, "minute": 4}
